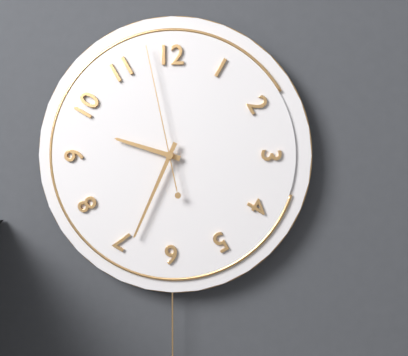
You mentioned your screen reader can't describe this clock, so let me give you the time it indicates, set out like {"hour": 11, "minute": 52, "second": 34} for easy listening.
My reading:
{"hour": 9, "minute": 34, "second": 58}
